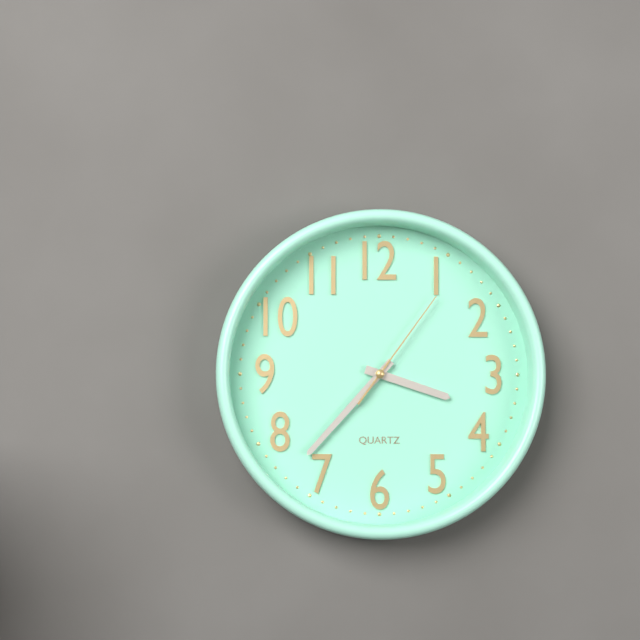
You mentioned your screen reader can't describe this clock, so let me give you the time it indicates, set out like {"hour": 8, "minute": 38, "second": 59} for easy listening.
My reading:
{"hour": 3, "minute": 37, "second": 6}
